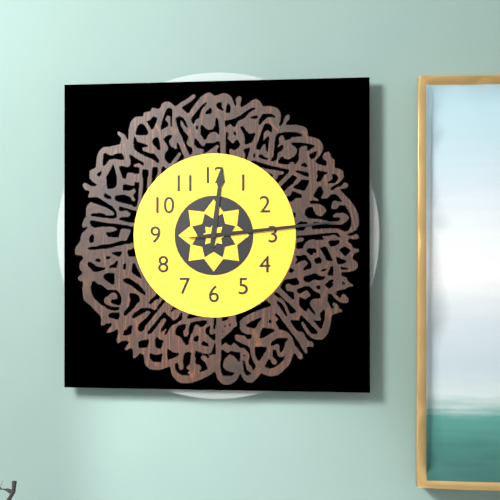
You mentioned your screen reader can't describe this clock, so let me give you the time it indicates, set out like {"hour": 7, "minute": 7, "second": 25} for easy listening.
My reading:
{"hour": 12, "minute": 14, "second": 14}
